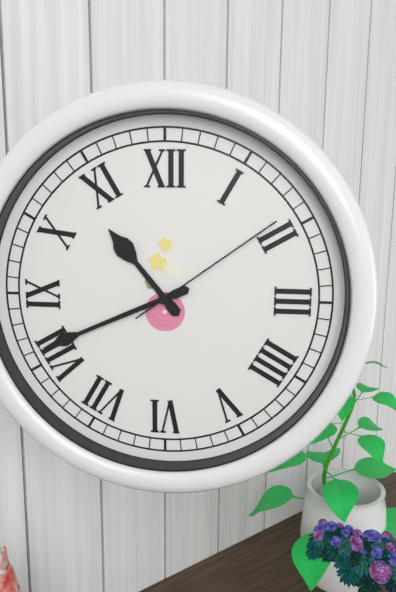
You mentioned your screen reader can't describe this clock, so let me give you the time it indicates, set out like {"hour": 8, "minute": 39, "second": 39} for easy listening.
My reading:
{"hour": 10, "minute": 41, "second": 9}
